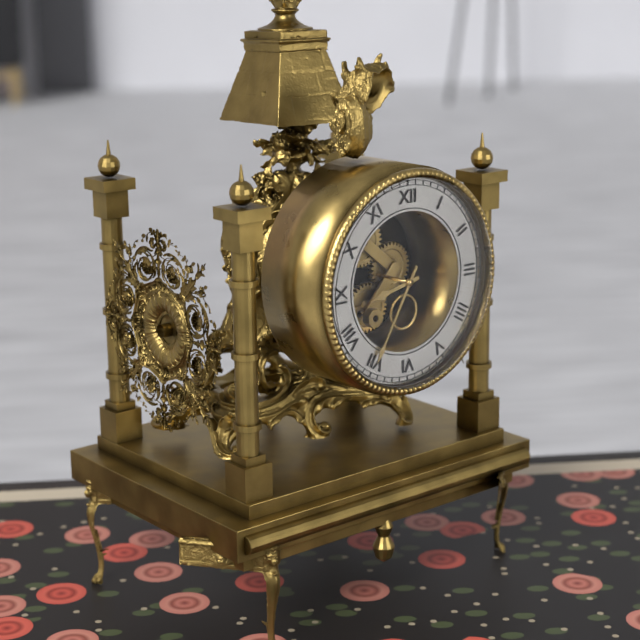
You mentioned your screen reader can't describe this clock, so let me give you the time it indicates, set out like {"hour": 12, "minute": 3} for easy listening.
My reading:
{"hour": 8, "minute": 35}
